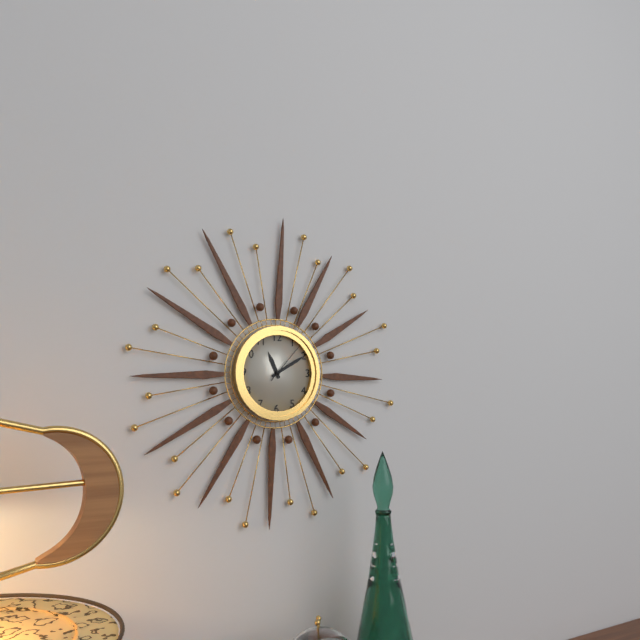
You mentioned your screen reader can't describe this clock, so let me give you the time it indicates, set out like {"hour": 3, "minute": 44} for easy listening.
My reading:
{"hour": 11, "minute": 10}
